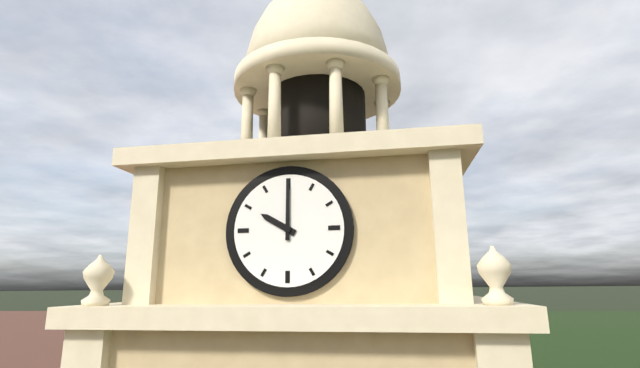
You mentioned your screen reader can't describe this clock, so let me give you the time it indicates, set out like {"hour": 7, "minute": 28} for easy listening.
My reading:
{"hour": 10, "minute": 0}
